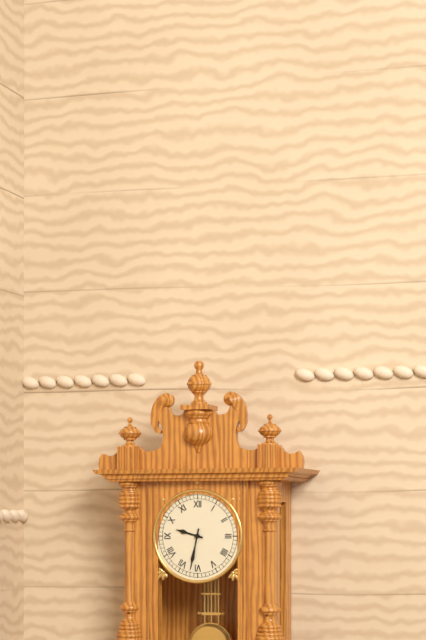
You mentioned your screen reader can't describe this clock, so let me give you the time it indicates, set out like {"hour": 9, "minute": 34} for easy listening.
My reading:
{"hour": 9, "minute": 32}
